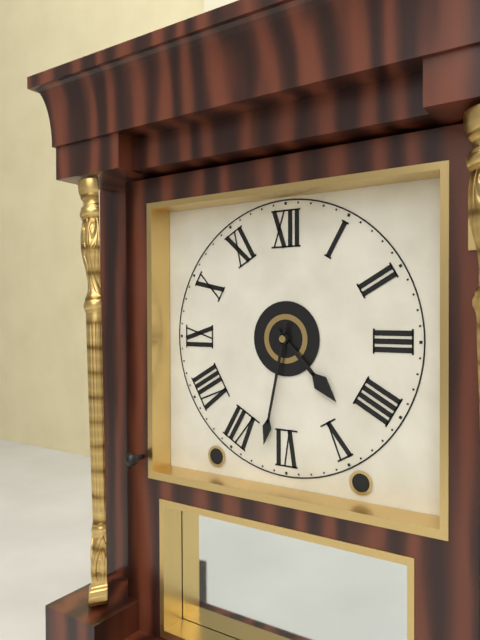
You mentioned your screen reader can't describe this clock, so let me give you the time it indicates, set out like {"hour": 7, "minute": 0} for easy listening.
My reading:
{"hour": 4, "minute": 32}
